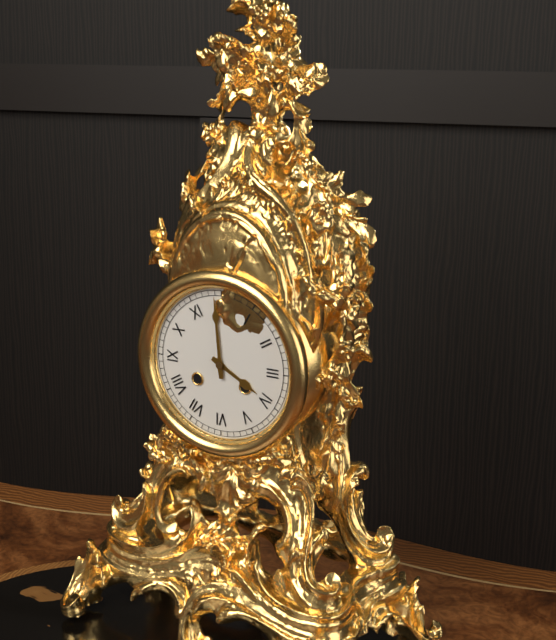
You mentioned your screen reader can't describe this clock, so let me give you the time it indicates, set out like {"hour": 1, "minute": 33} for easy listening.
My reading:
{"hour": 3, "minute": 59}
